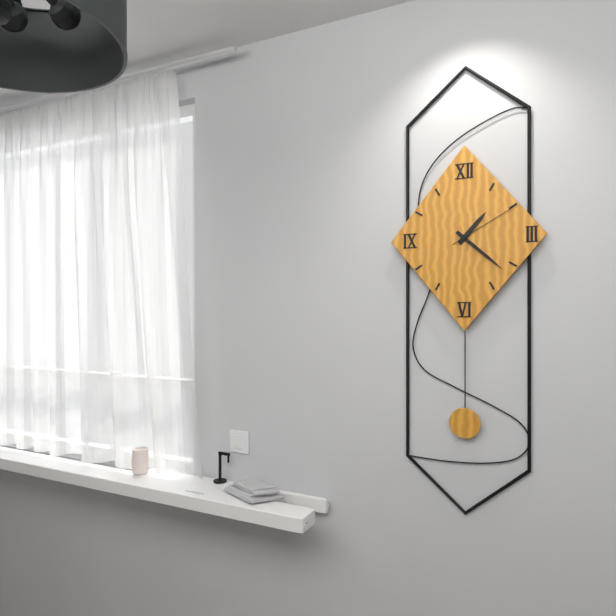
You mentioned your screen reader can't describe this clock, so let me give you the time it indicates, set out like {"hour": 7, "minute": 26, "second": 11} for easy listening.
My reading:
{"hour": 1, "minute": 22, "second": 10}
